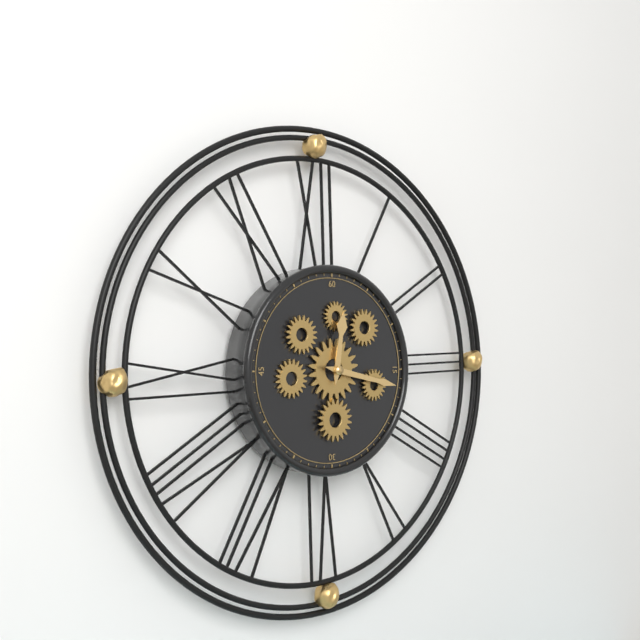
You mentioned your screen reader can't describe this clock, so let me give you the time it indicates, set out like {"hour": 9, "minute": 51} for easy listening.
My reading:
{"hour": 12, "minute": 17}
